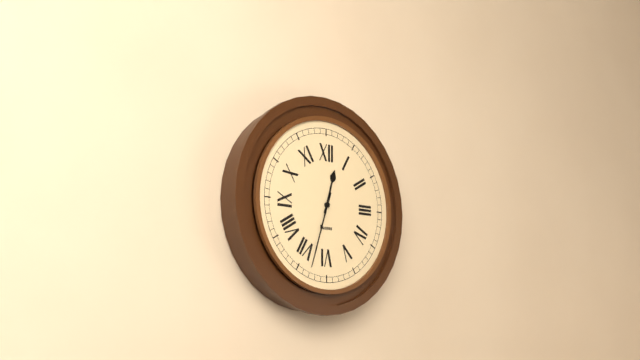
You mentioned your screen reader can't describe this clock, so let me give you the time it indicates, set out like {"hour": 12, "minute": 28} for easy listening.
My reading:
{"hour": 12, "minute": 33}
